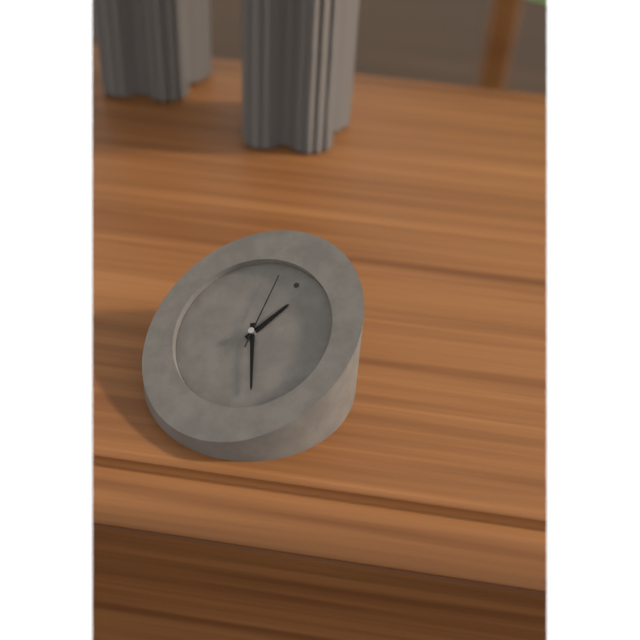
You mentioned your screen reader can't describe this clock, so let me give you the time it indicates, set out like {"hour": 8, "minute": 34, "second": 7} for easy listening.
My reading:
{"hour": 12, "minute": 23, "second": 57}
